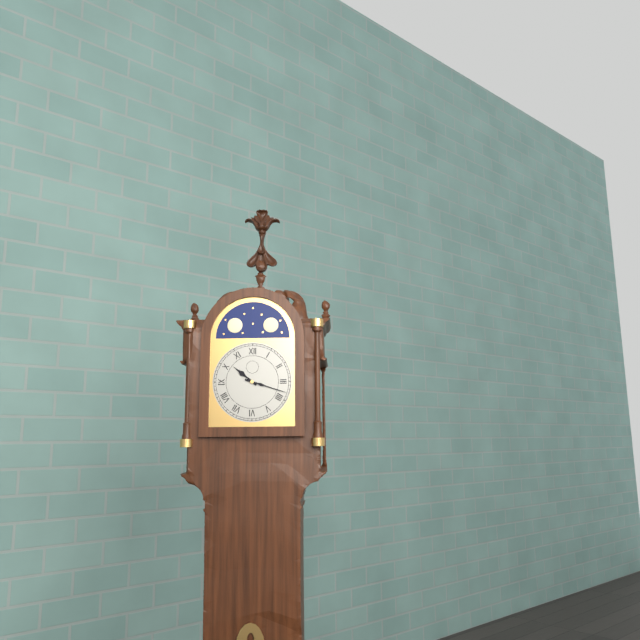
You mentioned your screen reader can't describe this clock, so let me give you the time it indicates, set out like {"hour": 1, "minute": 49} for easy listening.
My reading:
{"hour": 10, "minute": 18}
